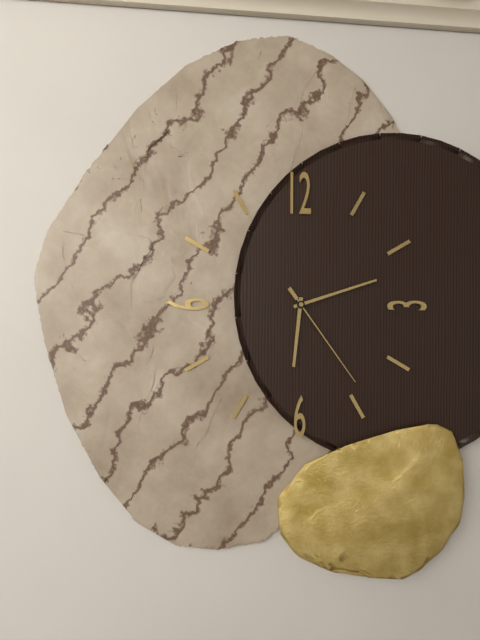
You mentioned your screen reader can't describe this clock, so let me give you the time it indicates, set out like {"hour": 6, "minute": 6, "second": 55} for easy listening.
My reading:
{"hour": 6, "minute": 12, "second": 24}
